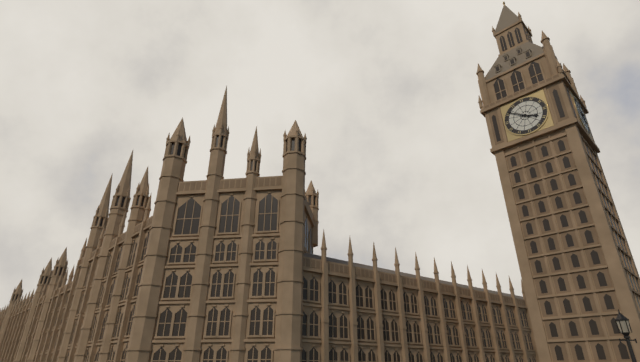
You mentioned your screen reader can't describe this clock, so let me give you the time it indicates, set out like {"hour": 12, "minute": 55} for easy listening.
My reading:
{"hour": 3, "minute": 51}
